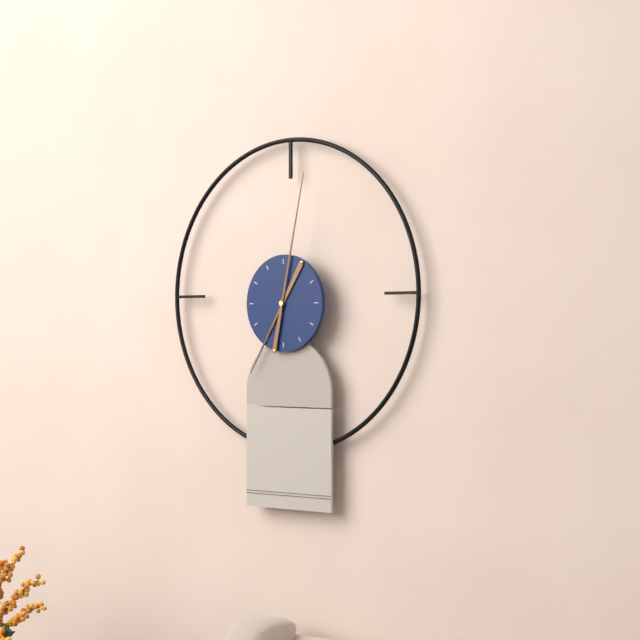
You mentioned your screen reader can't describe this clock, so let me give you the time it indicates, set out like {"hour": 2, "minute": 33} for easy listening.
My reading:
{"hour": 7, "minute": 2}
